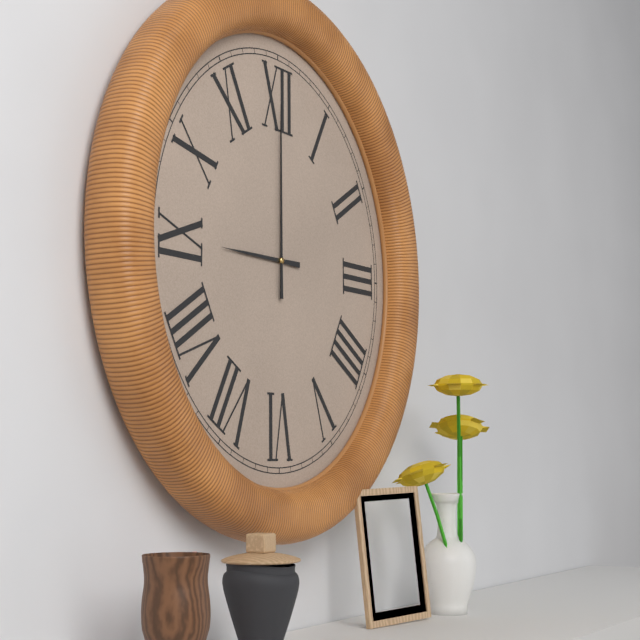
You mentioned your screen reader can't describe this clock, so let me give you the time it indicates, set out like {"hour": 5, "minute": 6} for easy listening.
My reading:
{"hour": 9, "minute": 0}
